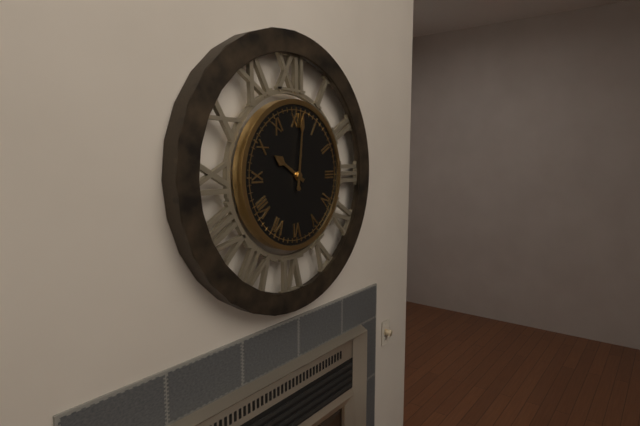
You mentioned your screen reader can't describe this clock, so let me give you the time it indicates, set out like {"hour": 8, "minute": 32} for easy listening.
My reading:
{"hour": 10, "minute": 1}
